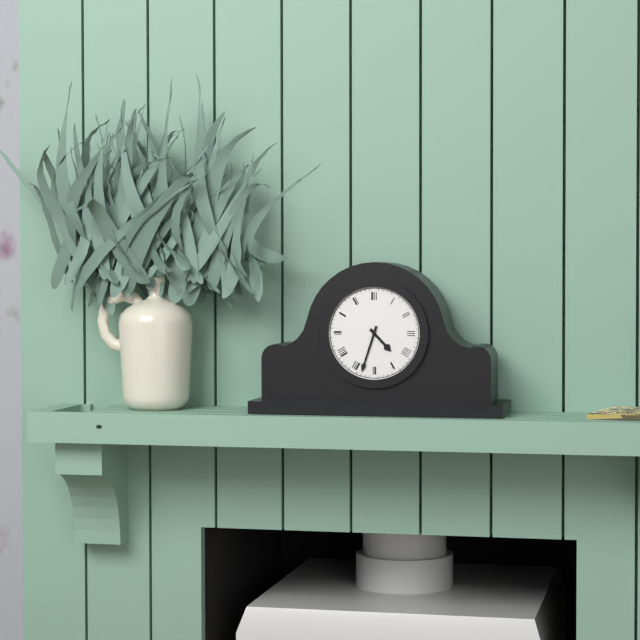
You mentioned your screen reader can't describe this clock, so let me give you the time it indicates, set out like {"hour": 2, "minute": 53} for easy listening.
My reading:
{"hour": 4, "minute": 33}
